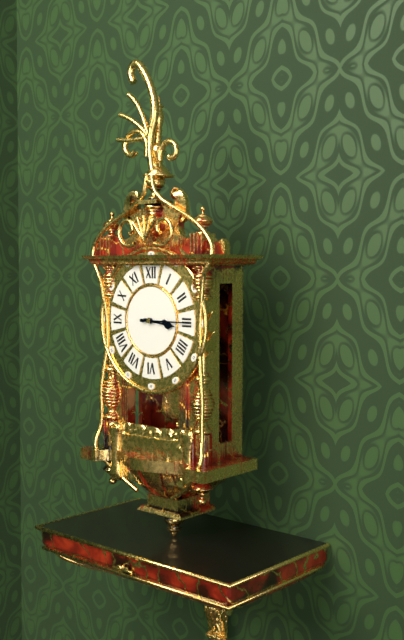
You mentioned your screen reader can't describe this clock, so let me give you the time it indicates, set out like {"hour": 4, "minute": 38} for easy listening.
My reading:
{"hour": 3, "minute": 15}
